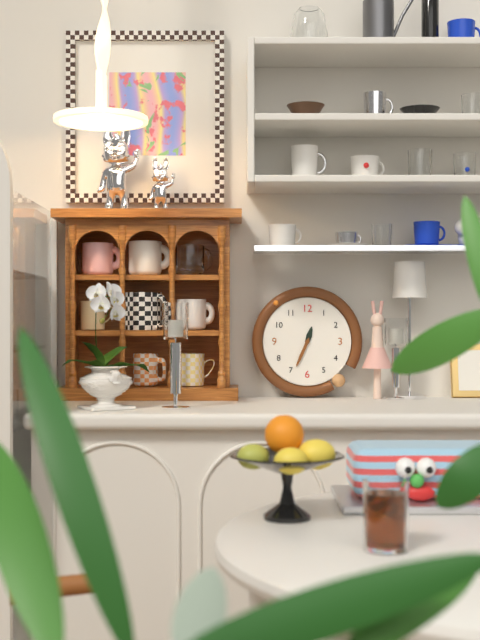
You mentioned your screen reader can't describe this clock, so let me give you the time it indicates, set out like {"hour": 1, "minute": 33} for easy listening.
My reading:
{"hour": 12, "minute": 34}
